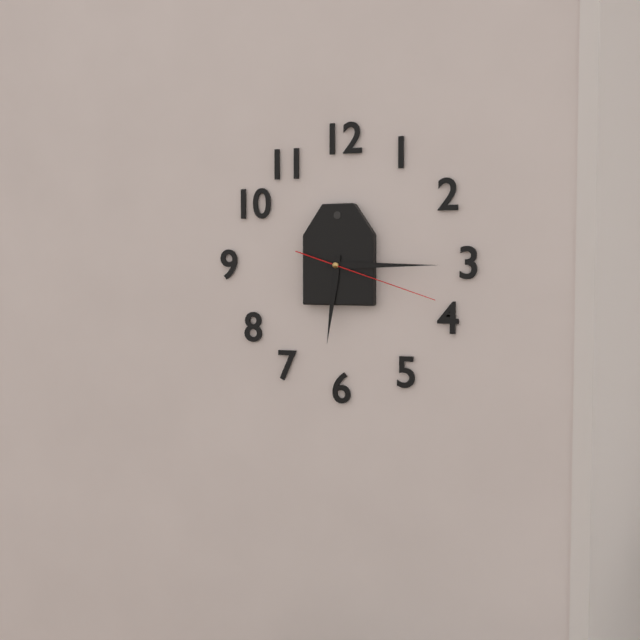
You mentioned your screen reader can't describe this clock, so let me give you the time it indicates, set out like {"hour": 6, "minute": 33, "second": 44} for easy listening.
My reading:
{"hour": 6, "minute": 15, "second": 18}
